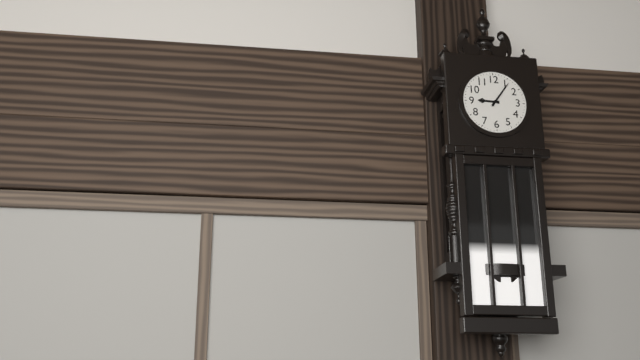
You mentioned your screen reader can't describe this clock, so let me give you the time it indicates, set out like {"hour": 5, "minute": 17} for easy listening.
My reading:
{"hour": 9, "minute": 6}
